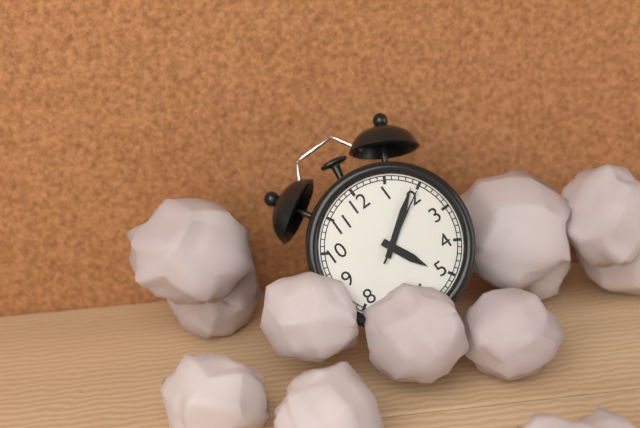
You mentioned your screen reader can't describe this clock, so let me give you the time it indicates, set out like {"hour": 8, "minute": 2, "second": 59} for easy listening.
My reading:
{"hour": 5, "minute": 9, "second": 10}
